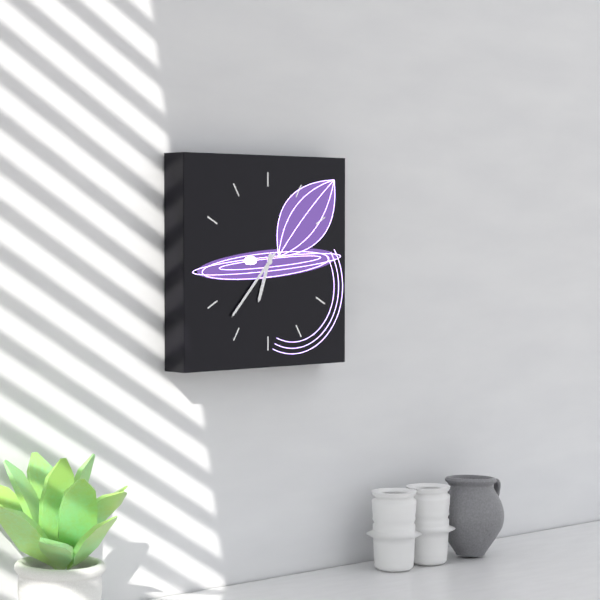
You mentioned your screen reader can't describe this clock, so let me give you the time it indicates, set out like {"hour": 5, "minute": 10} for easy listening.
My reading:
{"hour": 6, "minute": 37}
